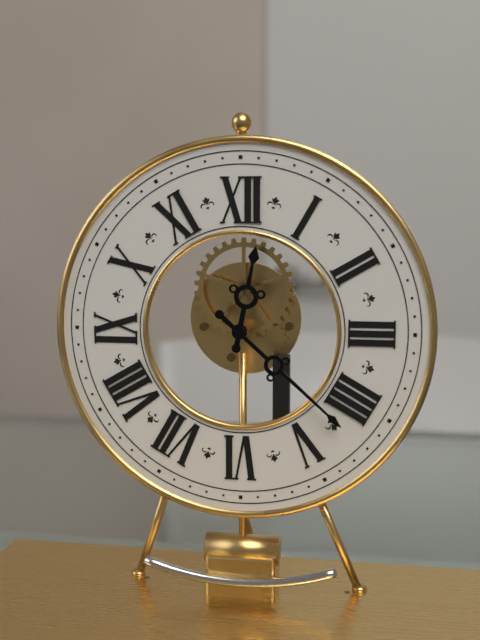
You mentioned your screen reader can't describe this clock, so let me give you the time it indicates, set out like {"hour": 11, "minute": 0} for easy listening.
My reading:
{"hour": 12, "minute": 22}
